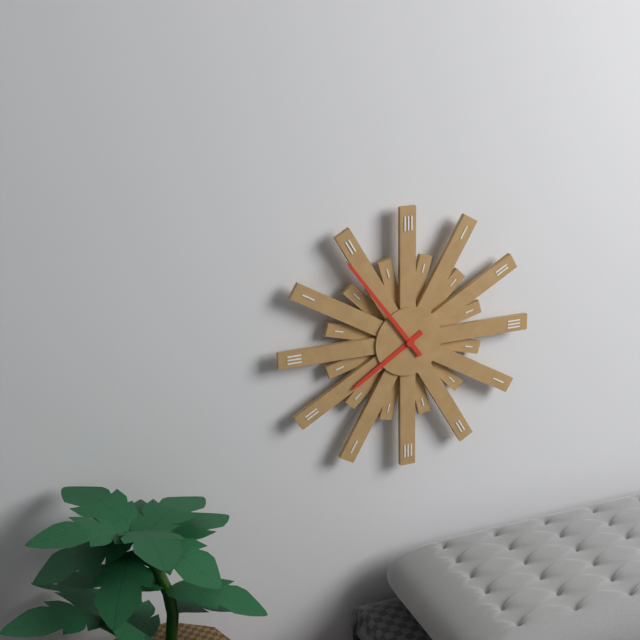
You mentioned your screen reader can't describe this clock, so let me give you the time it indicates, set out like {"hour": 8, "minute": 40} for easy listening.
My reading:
{"hour": 7, "minute": 54}
